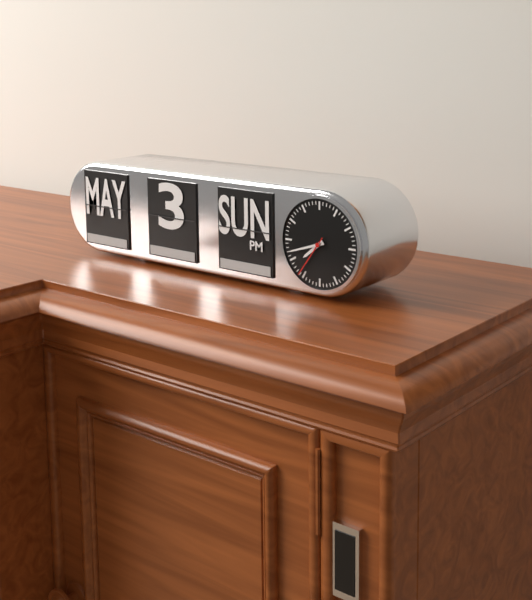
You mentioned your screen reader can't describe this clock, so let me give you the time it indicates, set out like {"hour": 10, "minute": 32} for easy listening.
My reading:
{"hour": 7, "minute": 42}
